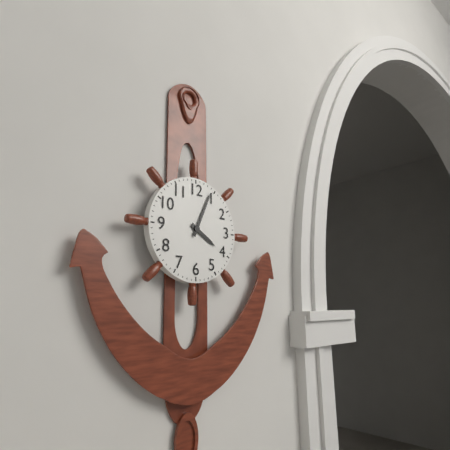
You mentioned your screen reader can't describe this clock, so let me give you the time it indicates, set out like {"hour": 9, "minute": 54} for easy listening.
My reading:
{"hour": 4, "minute": 4}
